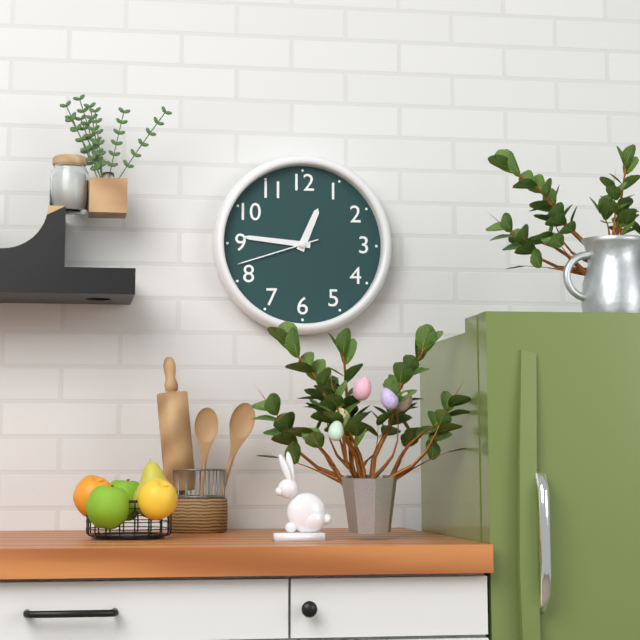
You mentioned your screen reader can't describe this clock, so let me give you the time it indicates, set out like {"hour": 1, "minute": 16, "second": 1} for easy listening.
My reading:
{"hour": 12, "minute": 46, "second": 42}
